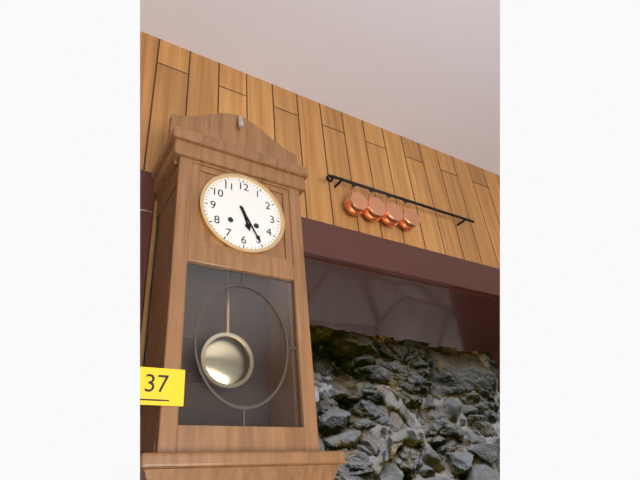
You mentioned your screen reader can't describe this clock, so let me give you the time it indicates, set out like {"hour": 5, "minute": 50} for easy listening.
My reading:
{"hour": 5, "minute": 25}
